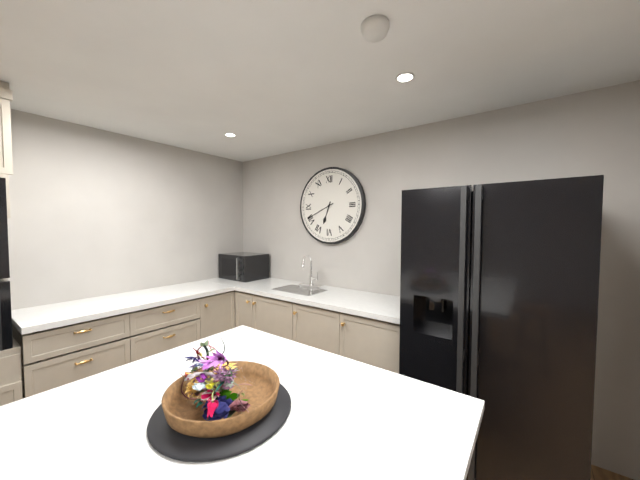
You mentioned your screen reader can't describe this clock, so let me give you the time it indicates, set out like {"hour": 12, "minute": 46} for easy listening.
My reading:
{"hour": 6, "minute": 41}
